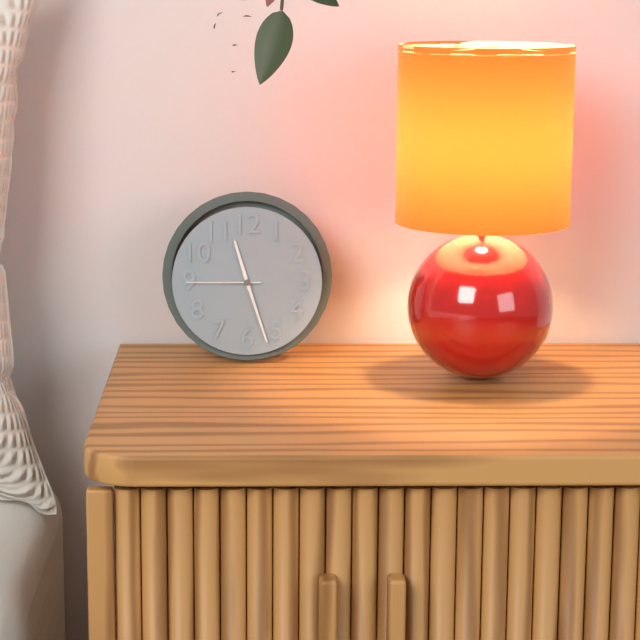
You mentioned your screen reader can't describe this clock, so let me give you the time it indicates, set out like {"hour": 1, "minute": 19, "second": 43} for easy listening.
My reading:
{"hour": 11, "minute": 27, "second": 45}
